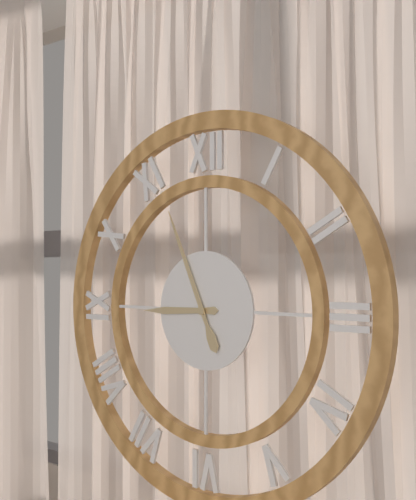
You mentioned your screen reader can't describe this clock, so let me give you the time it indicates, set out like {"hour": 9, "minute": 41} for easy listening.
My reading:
{"hour": 8, "minute": 56}
